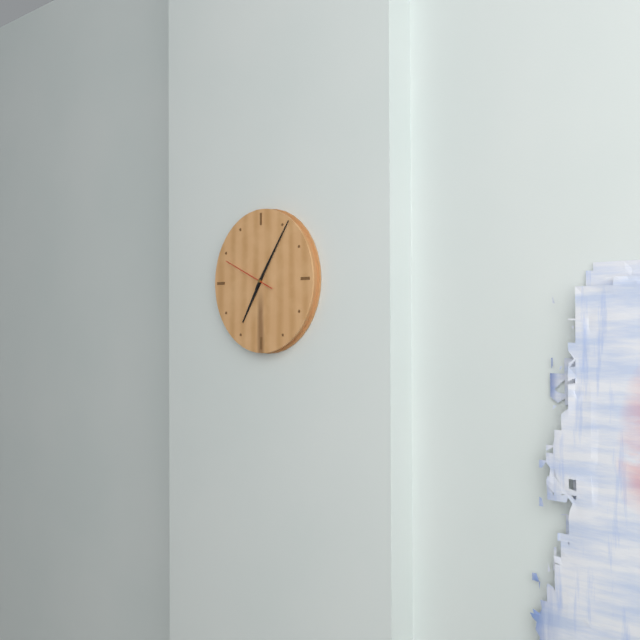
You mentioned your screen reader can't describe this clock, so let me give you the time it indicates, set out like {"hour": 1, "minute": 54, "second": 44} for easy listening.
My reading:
{"hour": 7, "minute": 6, "second": 49}
